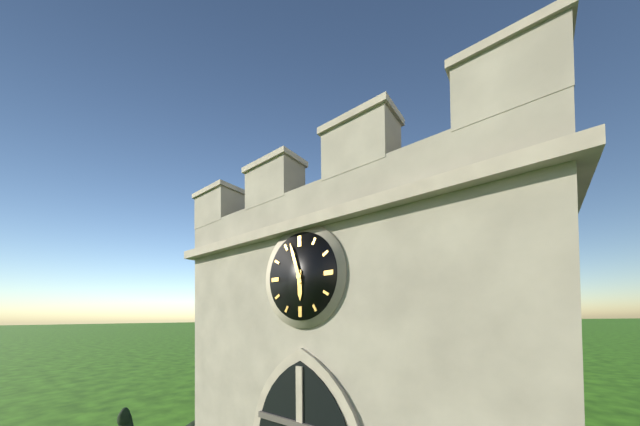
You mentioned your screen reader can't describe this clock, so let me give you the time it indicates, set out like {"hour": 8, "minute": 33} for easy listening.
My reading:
{"hour": 5, "minute": 57}
